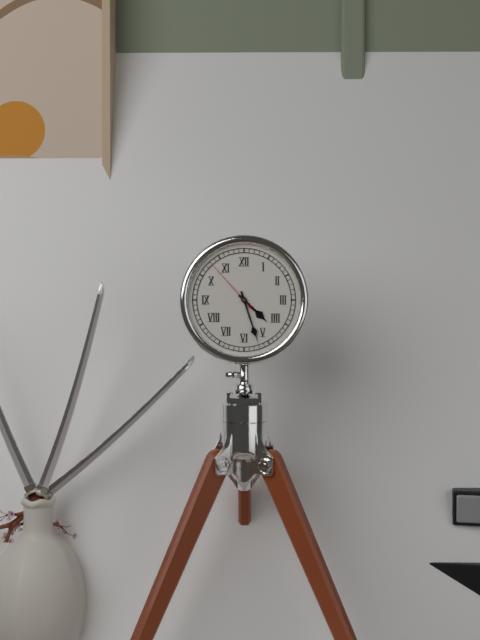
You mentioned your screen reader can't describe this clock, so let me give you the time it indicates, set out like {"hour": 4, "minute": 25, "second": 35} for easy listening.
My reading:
{"hour": 4, "minute": 27, "second": 53}
